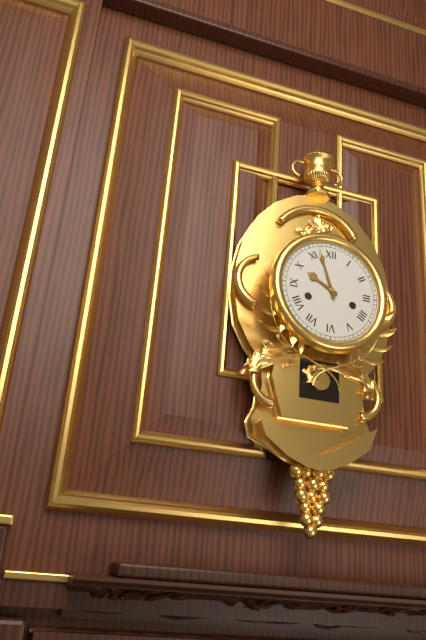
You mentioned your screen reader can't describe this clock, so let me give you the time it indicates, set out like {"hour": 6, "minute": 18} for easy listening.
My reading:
{"hour": 9, "minute": 57}
